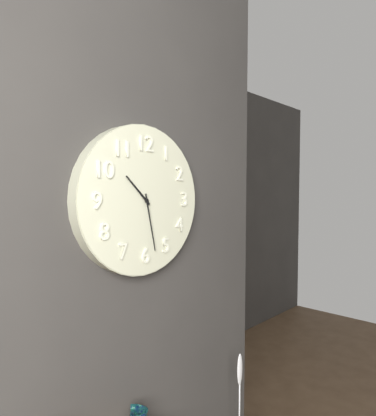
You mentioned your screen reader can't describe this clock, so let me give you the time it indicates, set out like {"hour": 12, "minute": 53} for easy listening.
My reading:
{"hour": 10, "minute": 28}
